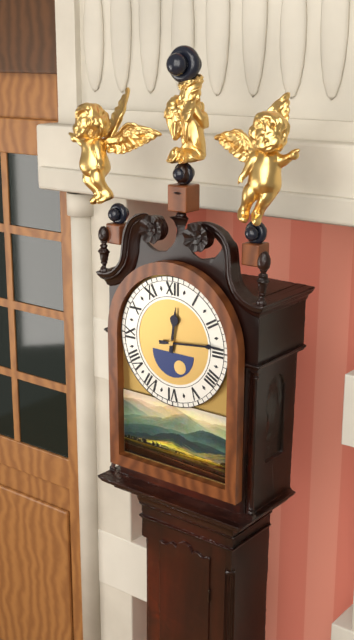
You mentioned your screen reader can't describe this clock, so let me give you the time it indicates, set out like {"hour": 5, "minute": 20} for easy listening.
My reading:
{"hour": 12, "minute": 14}
